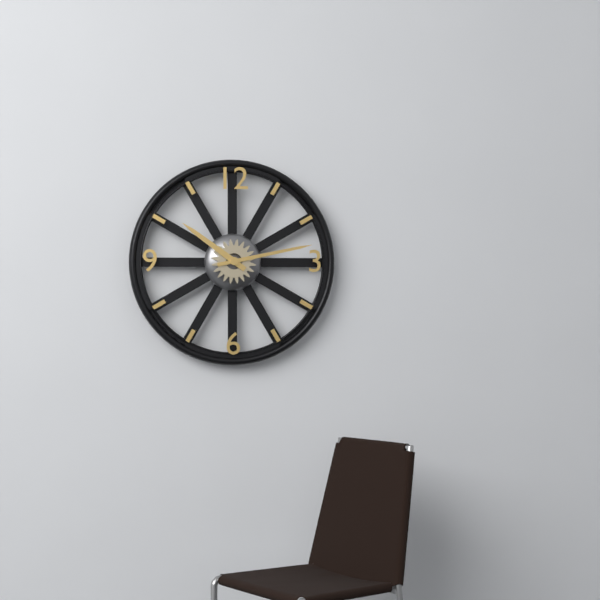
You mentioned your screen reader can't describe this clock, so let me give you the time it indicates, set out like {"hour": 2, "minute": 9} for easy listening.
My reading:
{"hour": 10, "minute": 13}
